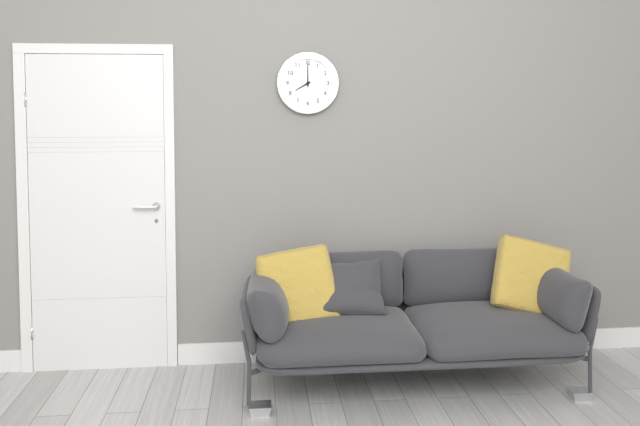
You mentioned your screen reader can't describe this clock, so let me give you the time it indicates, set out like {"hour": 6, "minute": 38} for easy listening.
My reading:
{"hour": 8, "minute": 0}
